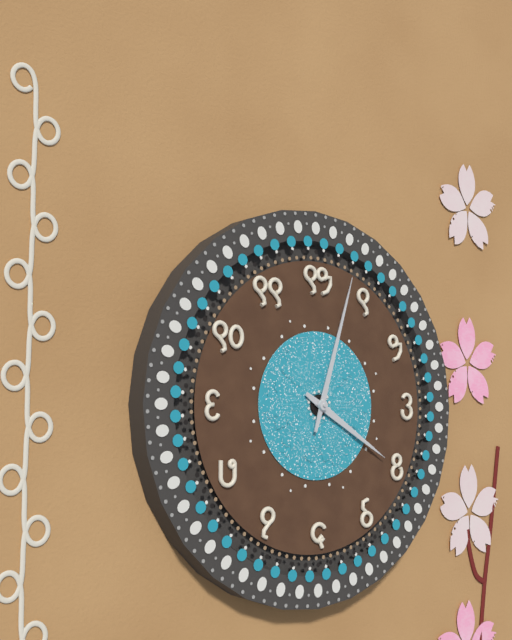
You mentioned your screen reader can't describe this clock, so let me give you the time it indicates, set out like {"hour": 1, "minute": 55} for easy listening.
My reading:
{"hour": 4, "minute": 3}
